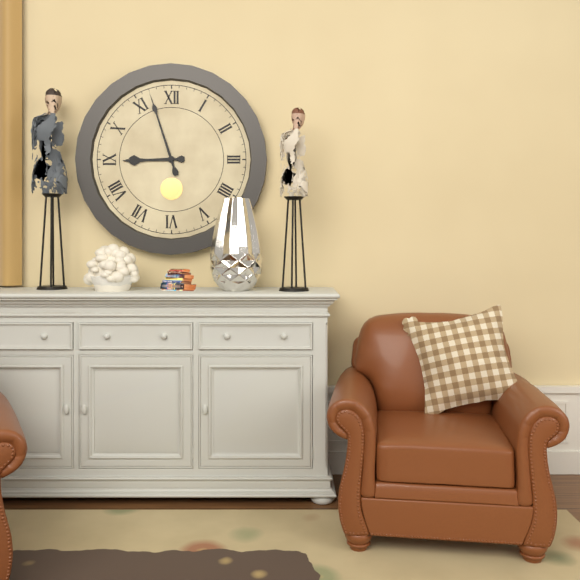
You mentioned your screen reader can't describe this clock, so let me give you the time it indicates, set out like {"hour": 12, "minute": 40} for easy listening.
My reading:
{"hour": 8, "minute": 57}
